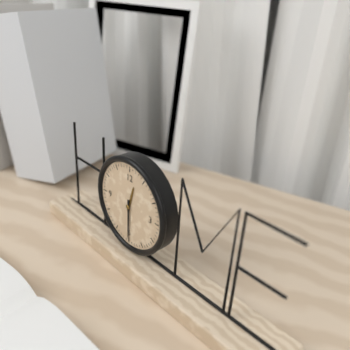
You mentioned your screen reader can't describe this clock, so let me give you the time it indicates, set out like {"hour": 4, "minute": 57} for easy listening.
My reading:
{"hour": 12, "minute": 30}
